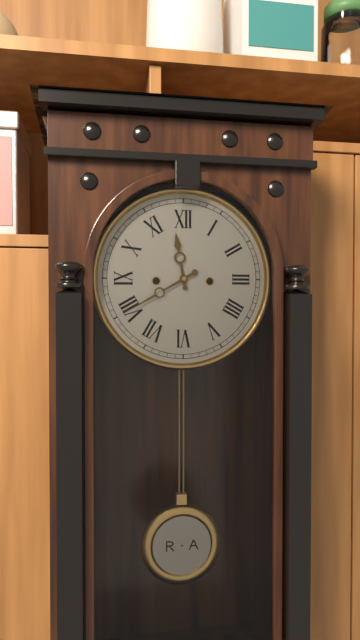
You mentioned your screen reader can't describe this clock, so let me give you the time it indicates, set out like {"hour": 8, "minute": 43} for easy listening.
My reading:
{"hour": 11, "minute": 40}
